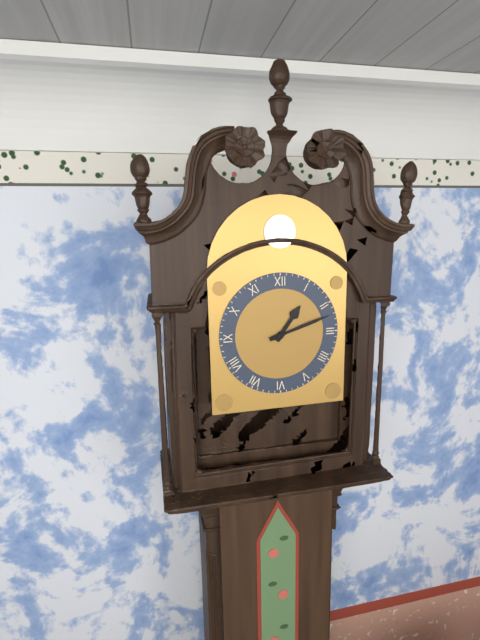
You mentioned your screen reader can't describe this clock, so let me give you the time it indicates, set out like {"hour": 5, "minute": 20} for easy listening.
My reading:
{"hour": 1, "minute": 12}
